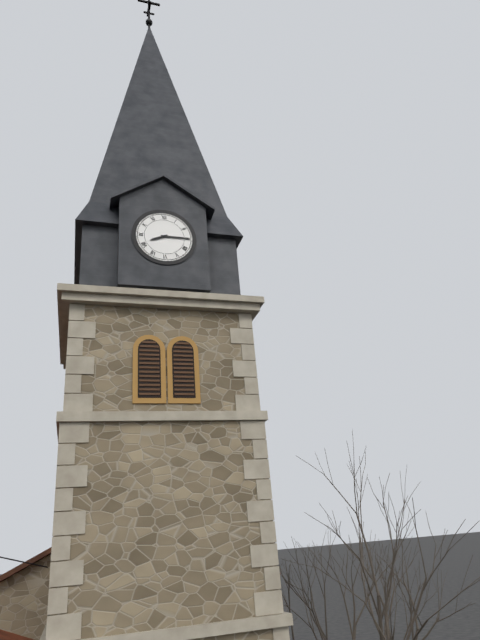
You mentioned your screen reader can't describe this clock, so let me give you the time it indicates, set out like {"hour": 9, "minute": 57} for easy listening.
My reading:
{"hour": 8, "minute": 15}
